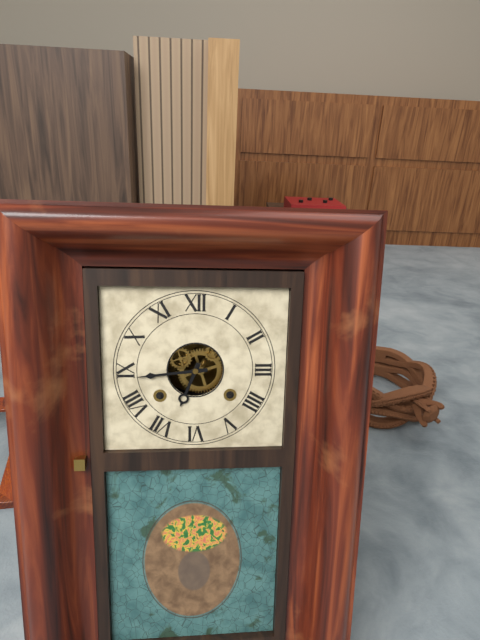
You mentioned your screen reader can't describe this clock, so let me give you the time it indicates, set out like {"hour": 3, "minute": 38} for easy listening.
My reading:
{"hour": 6, "minute": 44}
